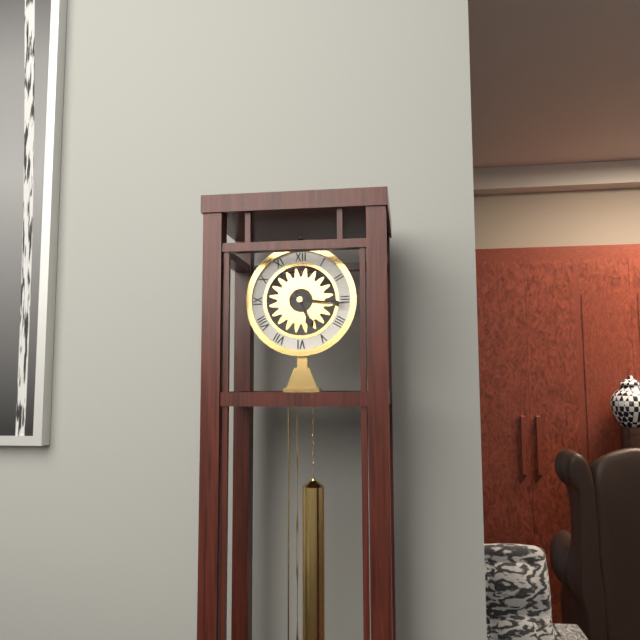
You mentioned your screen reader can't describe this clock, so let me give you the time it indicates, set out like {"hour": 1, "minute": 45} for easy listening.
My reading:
{"hour": 5, "minute": 16}
